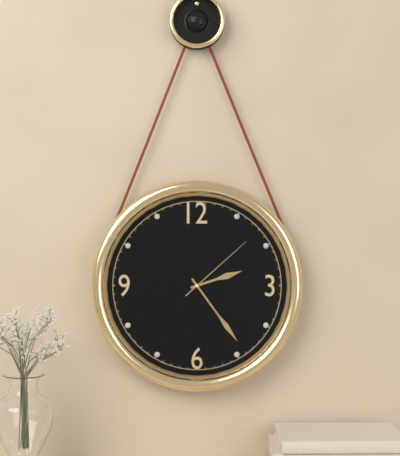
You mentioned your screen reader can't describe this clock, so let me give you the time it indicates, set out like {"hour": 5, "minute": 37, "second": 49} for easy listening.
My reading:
{"hour": 2, "minute": 24, "second": 8}
